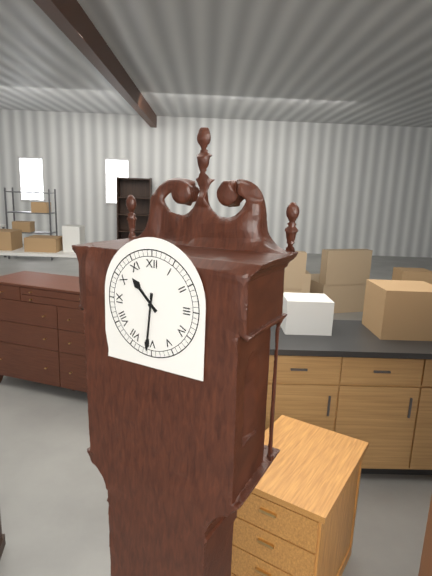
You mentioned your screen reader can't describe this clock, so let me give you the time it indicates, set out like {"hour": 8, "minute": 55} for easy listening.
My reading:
{"hour": 10, "minute": 31}
